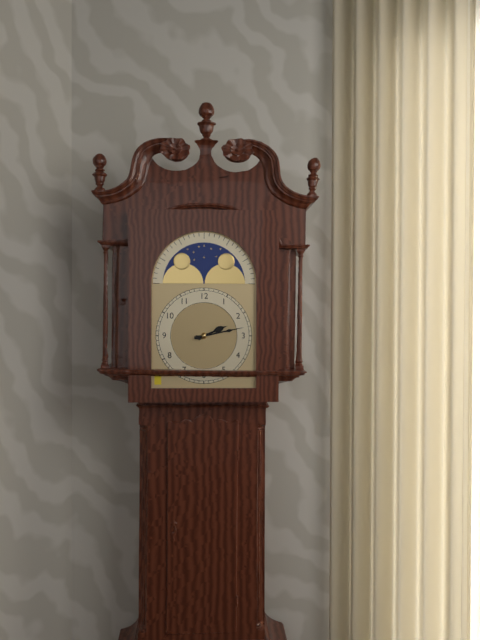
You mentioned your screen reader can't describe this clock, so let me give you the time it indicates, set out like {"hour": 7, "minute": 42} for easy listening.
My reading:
{"hour": 2, "minute": 13}
